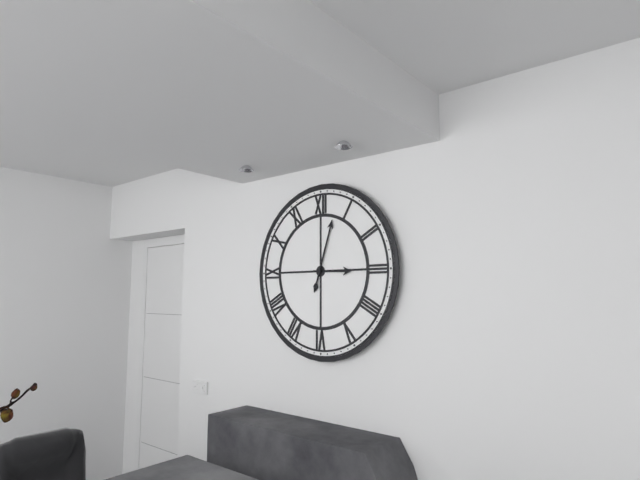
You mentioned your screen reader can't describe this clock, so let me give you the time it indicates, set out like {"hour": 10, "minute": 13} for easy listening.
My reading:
{"hour": 3, "minute": 3}
